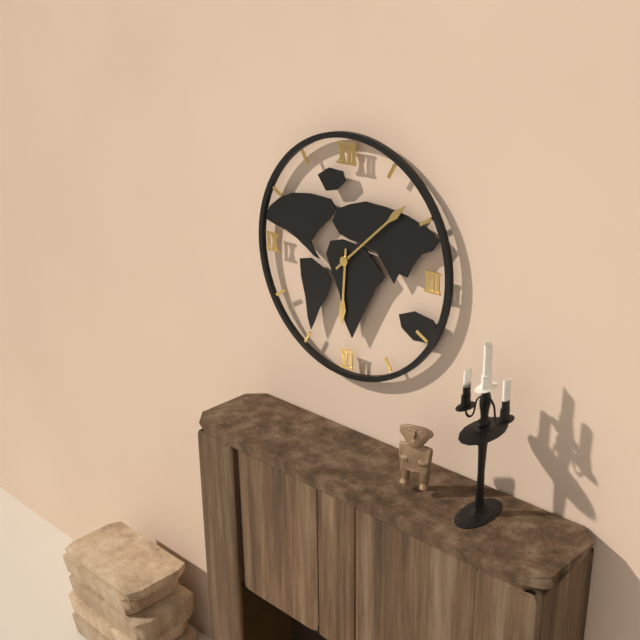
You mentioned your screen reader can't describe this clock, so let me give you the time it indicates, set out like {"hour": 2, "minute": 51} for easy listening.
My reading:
{"hour": 6, "minute": 8}
